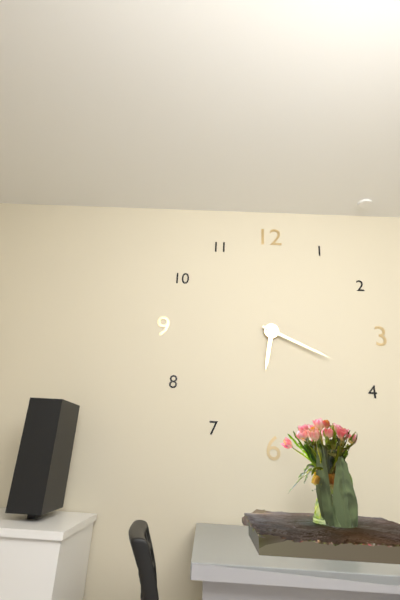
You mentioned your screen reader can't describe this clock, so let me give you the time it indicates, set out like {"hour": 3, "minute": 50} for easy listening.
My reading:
{"hour": 6, "minute": 19}
